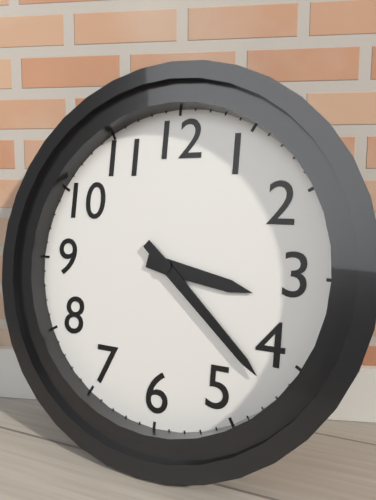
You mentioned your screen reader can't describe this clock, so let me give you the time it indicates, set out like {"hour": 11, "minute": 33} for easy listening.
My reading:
{"hour": 3, "minute": 22}
